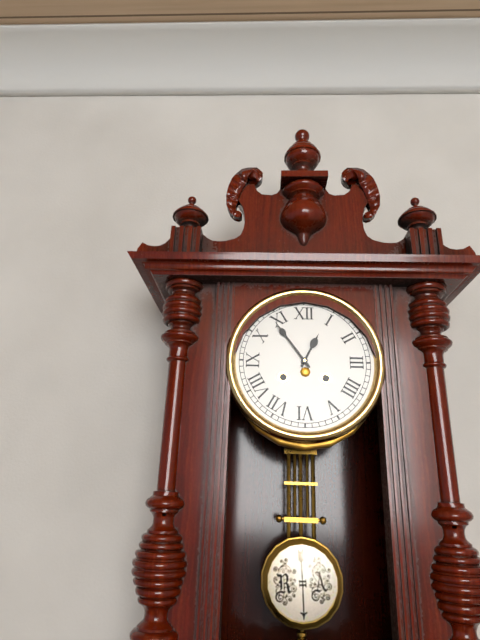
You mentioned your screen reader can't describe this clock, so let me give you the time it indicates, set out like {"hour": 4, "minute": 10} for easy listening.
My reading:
{"hour": 12, "minute": 54}
